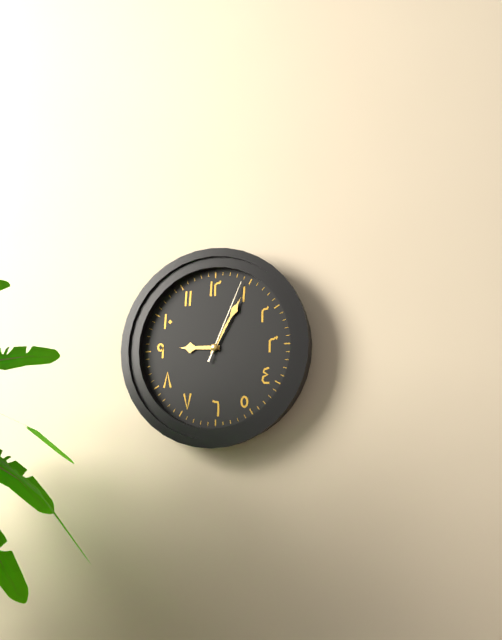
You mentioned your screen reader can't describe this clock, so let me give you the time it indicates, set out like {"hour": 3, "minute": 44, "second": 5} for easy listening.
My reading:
{"hour": 9, "minute": 5, "second": 4}
